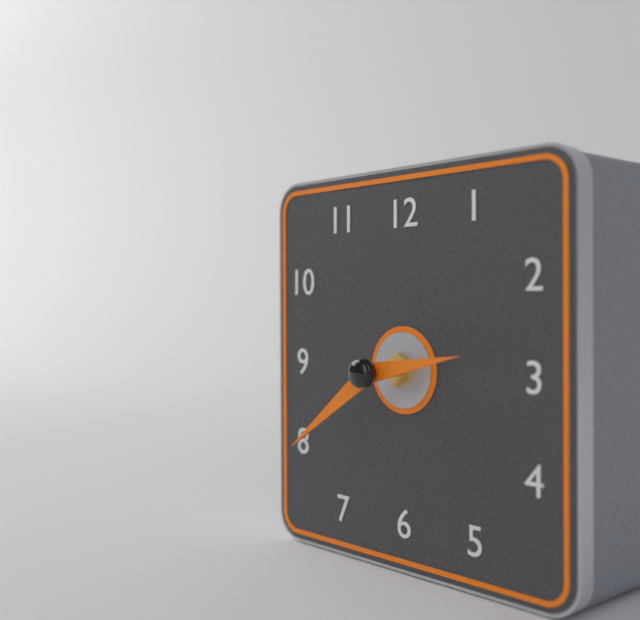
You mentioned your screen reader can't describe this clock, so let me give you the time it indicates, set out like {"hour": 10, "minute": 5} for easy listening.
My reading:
{"hour": 2, "minute": 39}
